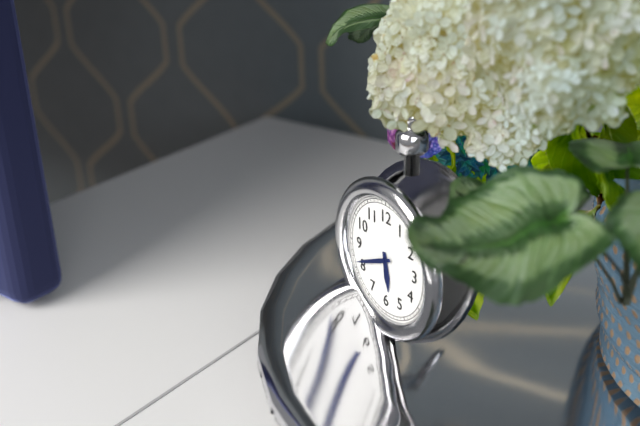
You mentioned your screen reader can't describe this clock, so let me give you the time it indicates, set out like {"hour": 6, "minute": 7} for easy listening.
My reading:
{"hour": 5, "minute": 41}
